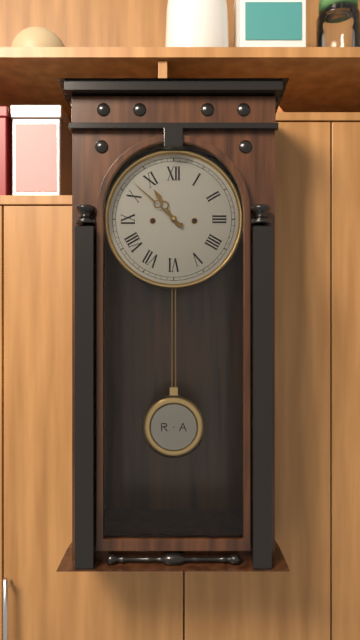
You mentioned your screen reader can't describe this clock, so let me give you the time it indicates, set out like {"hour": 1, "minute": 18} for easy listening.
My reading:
{"hour": 10, "minute": 52}
